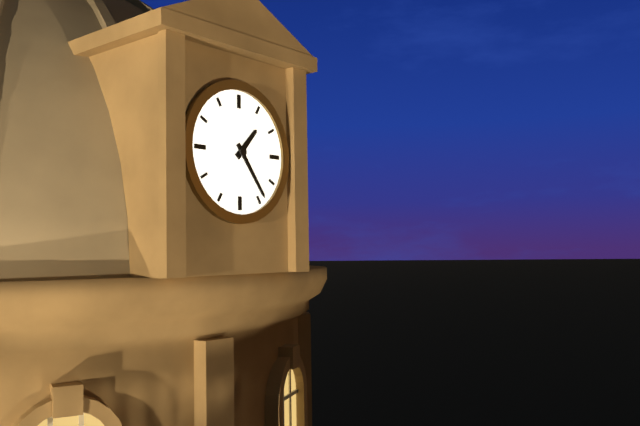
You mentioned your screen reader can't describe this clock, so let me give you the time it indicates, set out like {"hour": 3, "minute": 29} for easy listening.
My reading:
{"hour": 1, "minute": 24}
